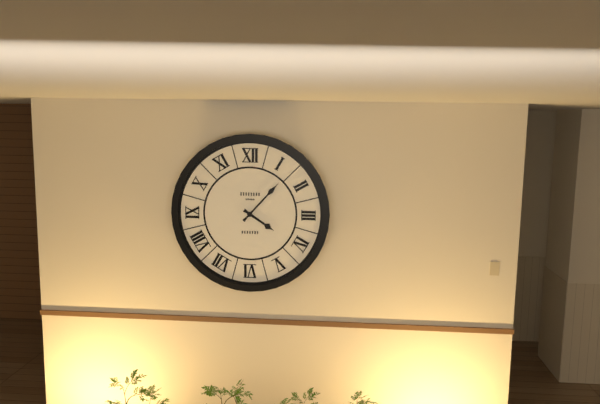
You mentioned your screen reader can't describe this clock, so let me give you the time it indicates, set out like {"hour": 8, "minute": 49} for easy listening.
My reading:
{"hour": 4, "minute": 7}
